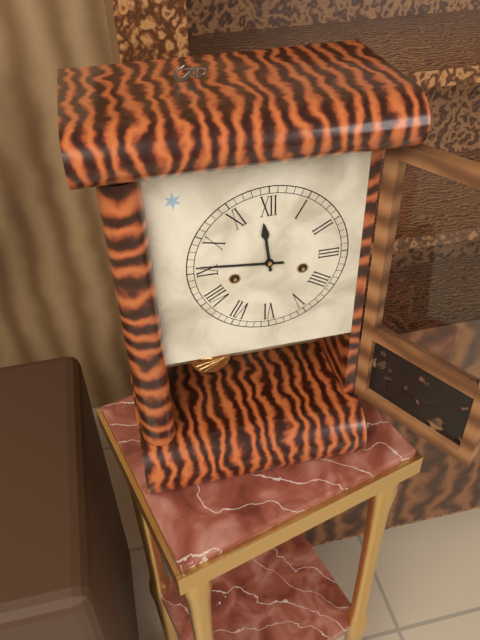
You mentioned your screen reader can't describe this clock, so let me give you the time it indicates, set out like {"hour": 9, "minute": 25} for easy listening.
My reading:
{"hour": 11, "minute": 46}
